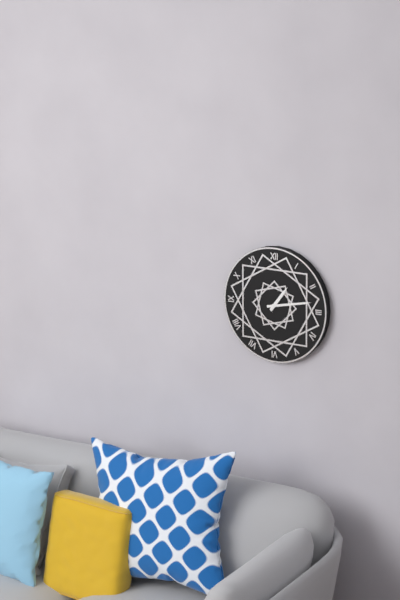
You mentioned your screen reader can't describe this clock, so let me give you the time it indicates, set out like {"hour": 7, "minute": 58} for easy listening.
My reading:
{"hour": 1, "minute": 13}
